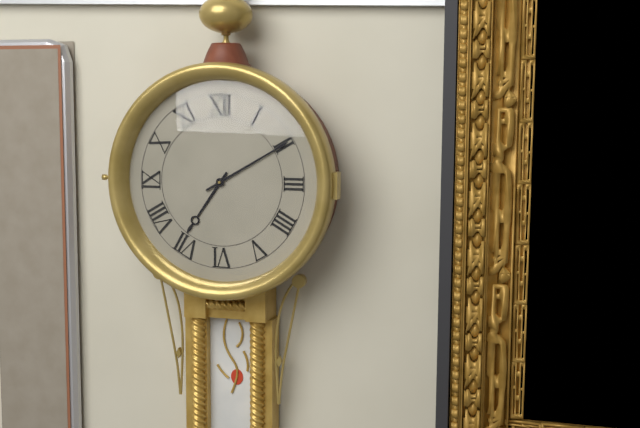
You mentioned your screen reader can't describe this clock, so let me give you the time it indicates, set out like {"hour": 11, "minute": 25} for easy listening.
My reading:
{"hour": 7, "minute": 10}
